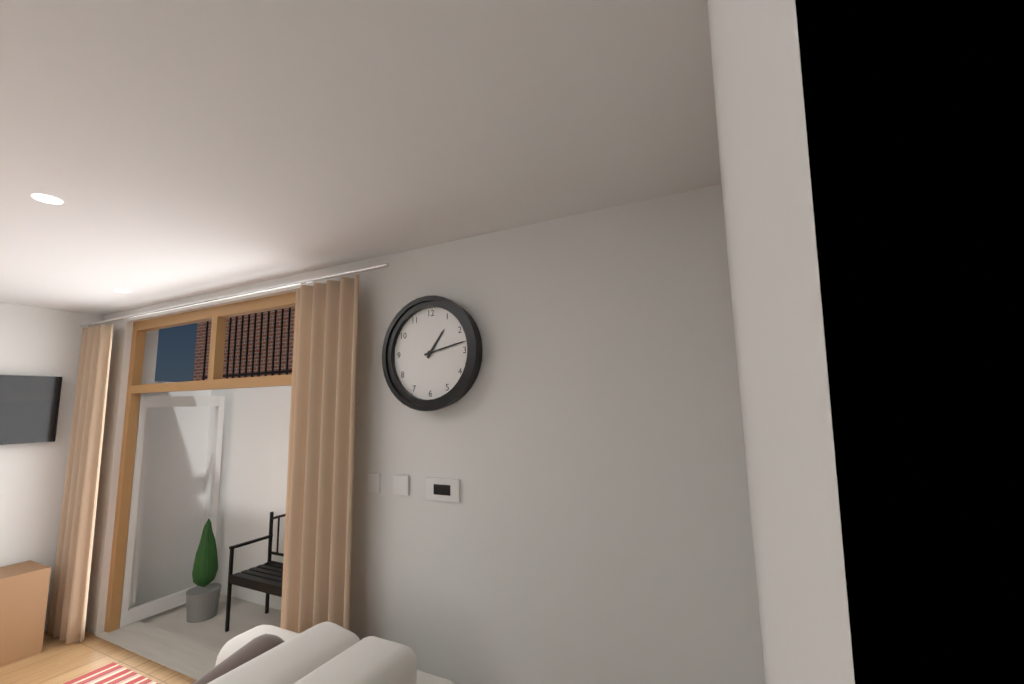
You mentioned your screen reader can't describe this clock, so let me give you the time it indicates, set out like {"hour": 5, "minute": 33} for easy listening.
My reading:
{"hour": 1, "minute": 13}
